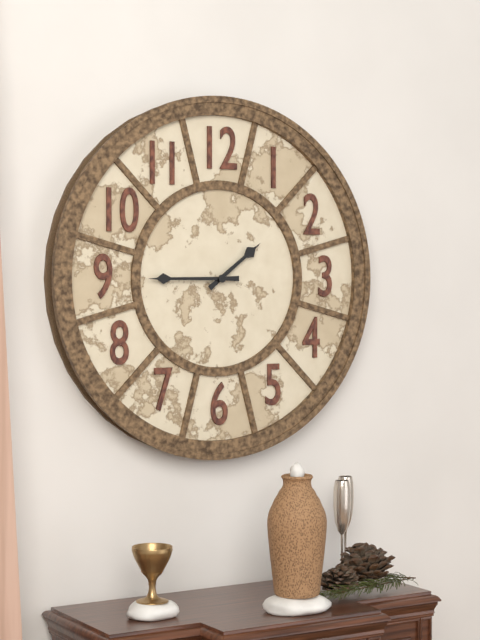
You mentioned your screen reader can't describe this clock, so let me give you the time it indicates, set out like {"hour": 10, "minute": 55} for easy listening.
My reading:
{"hour": 1, "minute": 45}
